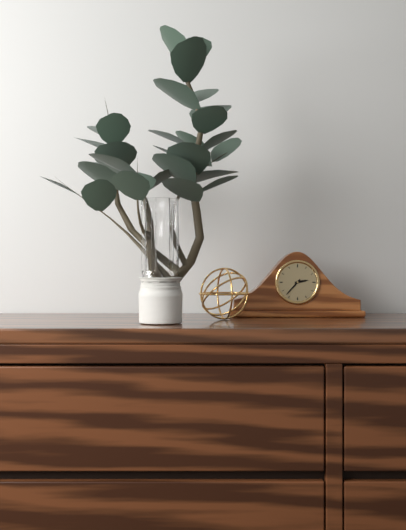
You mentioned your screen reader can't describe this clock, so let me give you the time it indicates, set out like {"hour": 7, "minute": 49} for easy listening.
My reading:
{"hour": 2, "minute": 37}
